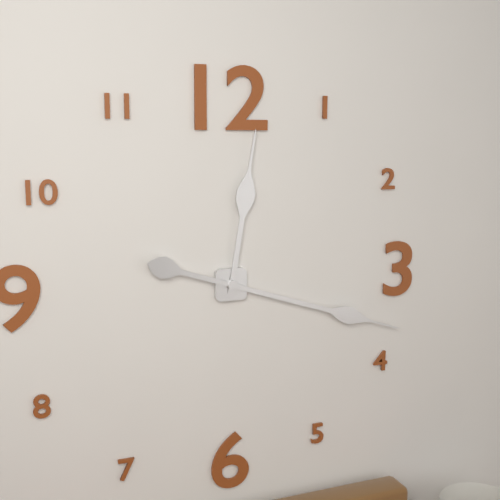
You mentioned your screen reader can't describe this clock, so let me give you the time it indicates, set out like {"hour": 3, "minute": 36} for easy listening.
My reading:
{"hour": 12, "minute": 18}
